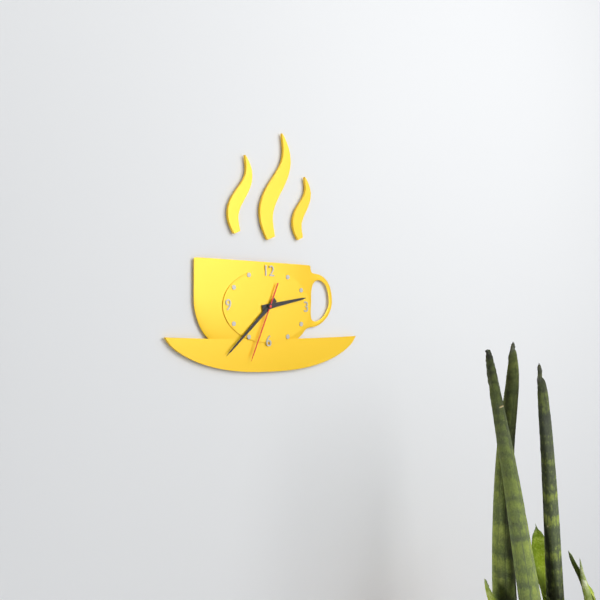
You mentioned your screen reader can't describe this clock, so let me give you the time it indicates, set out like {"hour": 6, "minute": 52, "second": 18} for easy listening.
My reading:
{"hour": 2, "minute": 38, "second": 34}
